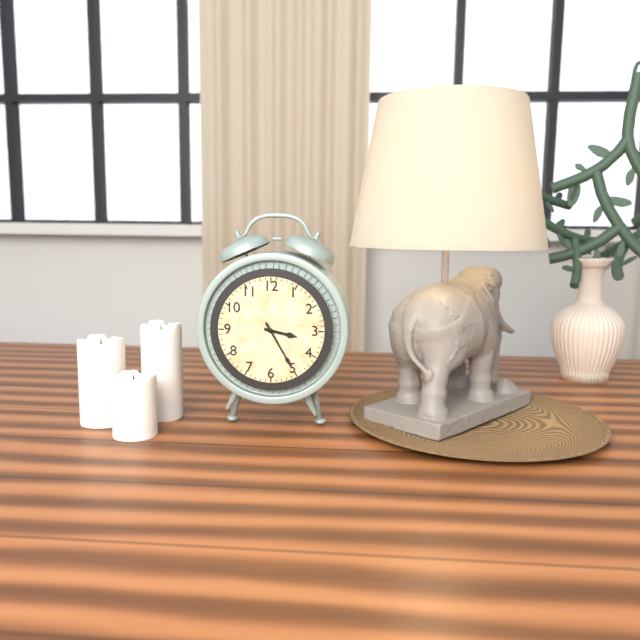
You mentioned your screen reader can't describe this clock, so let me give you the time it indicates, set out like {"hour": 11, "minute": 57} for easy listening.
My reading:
{"hour": 3, "minute": 25}
